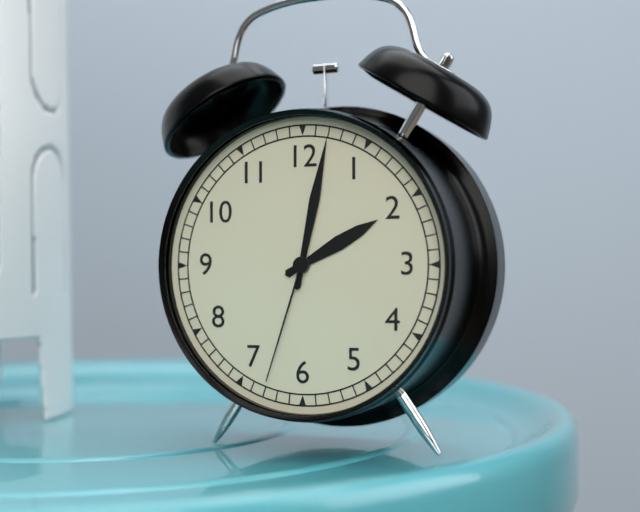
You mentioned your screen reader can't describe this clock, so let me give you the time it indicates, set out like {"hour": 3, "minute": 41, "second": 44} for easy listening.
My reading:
{"hour": 2, "minute": 2, "second": 33}
